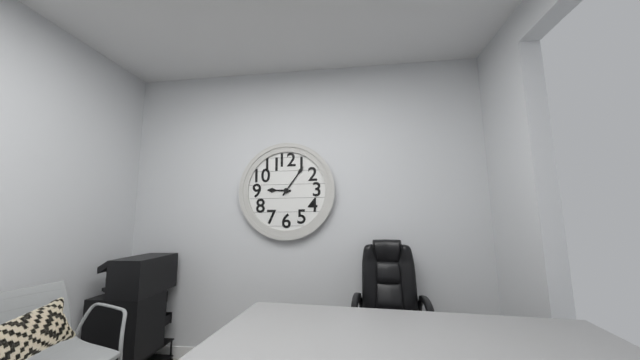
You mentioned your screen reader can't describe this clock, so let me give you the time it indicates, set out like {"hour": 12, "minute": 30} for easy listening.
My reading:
{"hour": 9, "minute": 6}
